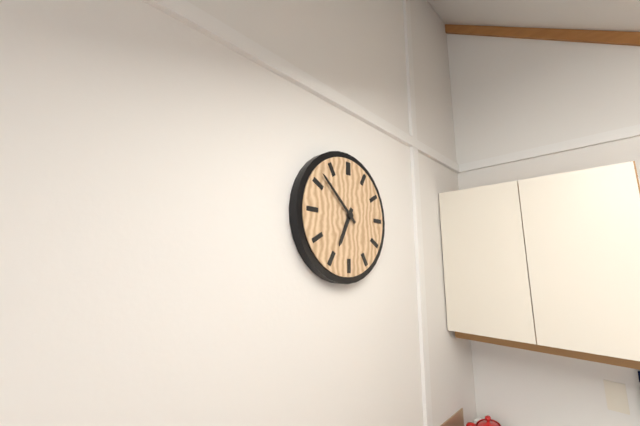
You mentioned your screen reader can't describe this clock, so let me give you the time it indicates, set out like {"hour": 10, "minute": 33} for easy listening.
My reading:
{"hour": 6, "minute": 52}
